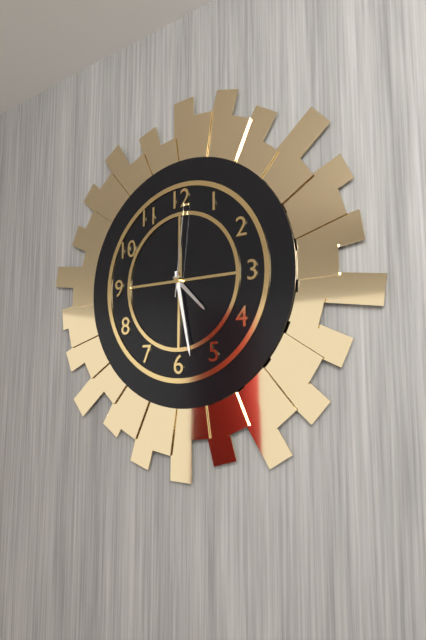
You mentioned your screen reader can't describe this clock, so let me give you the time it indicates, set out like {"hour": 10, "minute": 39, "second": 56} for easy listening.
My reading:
{"hour": 4, "minute": 28, "second": 1}
